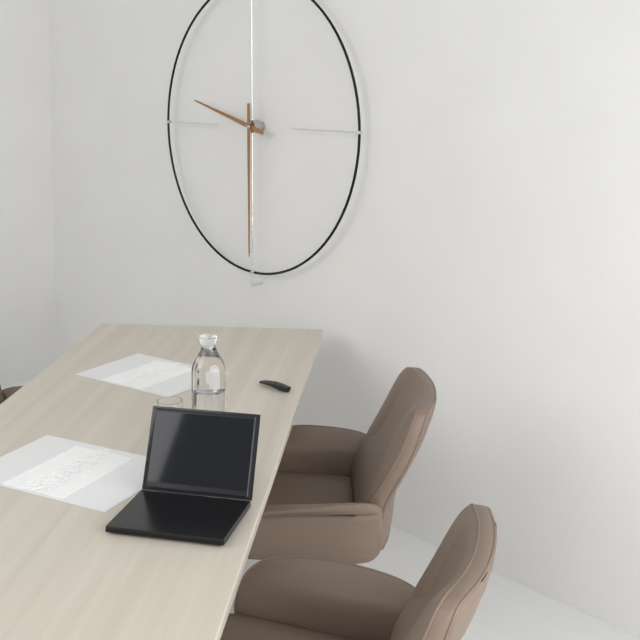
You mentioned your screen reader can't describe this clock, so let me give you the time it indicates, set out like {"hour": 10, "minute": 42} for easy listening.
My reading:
{"hour": 9, "minute": 30}
